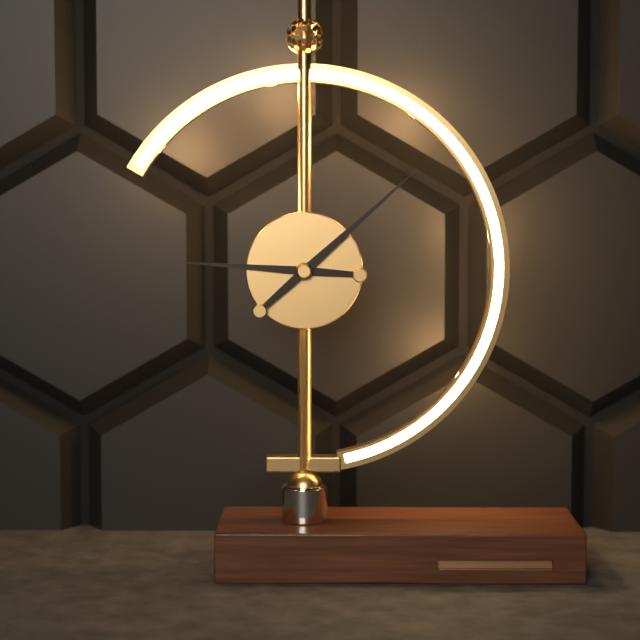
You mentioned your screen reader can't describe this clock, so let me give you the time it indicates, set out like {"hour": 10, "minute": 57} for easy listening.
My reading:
{"hour": 9, "minute": 8}
